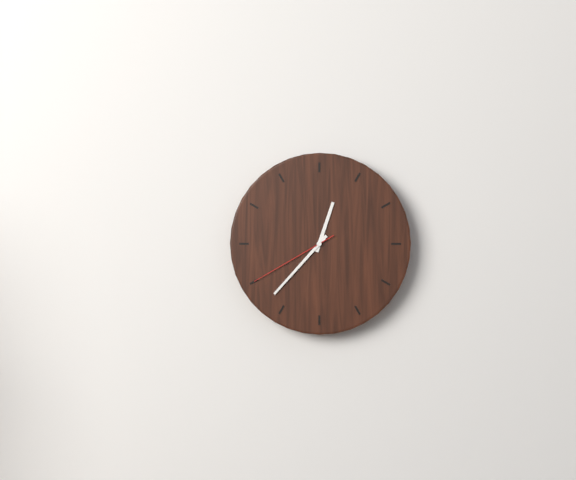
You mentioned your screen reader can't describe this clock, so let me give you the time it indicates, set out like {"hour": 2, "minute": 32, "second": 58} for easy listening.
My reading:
{"hour": 12, "minute": 37, "second": 40}
